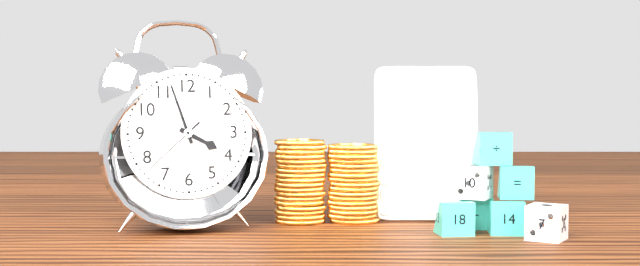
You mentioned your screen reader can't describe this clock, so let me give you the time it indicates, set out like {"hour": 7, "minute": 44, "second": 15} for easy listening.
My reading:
{"hour": 3, "minute": 57, "second": 38}
